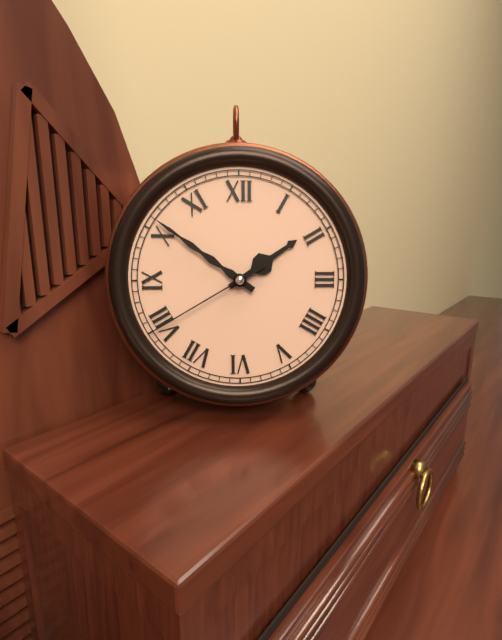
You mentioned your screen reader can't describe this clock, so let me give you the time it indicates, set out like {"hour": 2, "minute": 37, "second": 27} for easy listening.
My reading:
{"hour": 1, "minute": 51, "second": 40}
